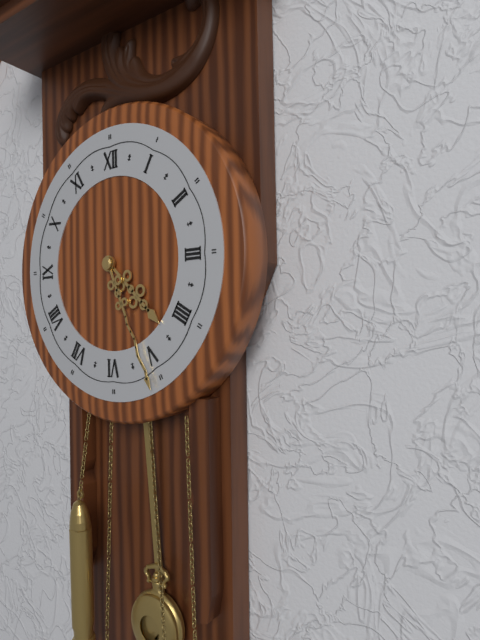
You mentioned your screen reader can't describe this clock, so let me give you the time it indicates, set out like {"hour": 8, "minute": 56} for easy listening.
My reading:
{"hour": 4, "minute": 26}
